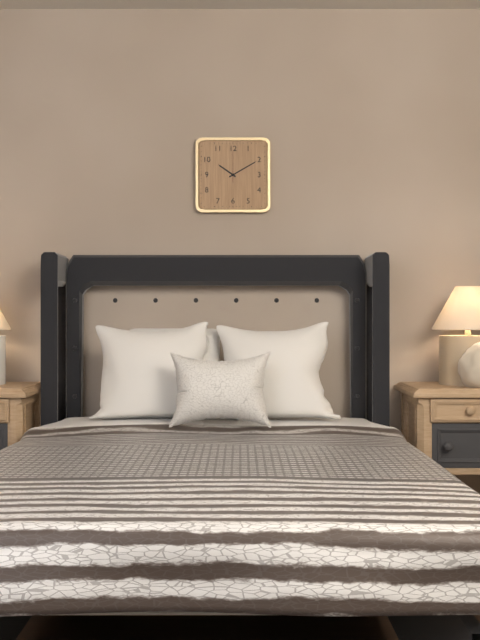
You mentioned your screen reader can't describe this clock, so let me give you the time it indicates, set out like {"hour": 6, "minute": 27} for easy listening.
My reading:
{"hour": 10, "minute": 10}
